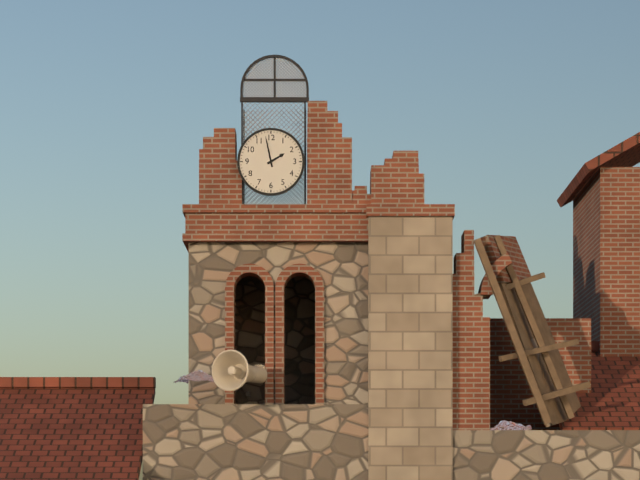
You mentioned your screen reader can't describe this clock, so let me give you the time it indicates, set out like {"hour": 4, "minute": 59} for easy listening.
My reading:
{"hour": 1, "minute": 58}
